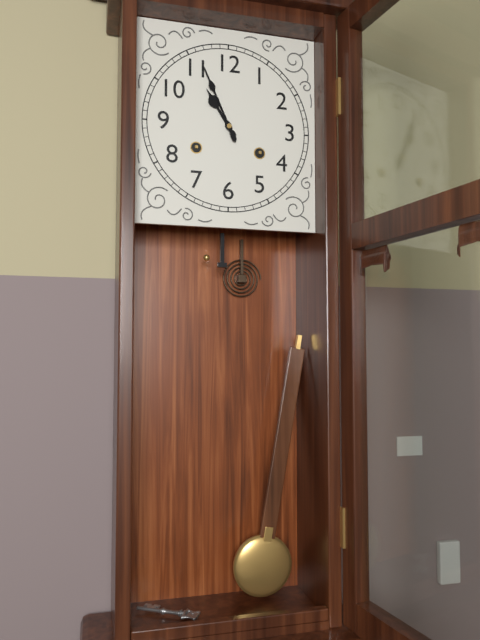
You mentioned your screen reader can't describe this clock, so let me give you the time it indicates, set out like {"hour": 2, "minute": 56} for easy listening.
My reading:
{"hour": 10, "minute": 56}
